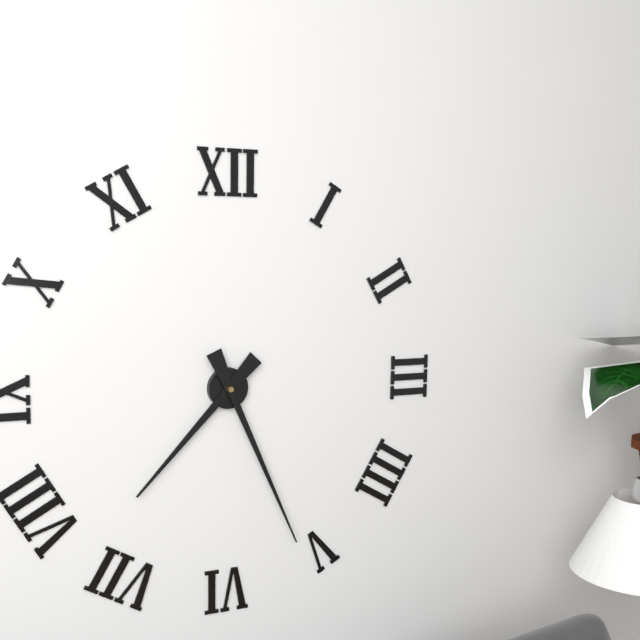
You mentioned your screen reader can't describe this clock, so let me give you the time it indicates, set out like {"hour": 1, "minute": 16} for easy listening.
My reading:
{"hour": 7, "minute": 26}
